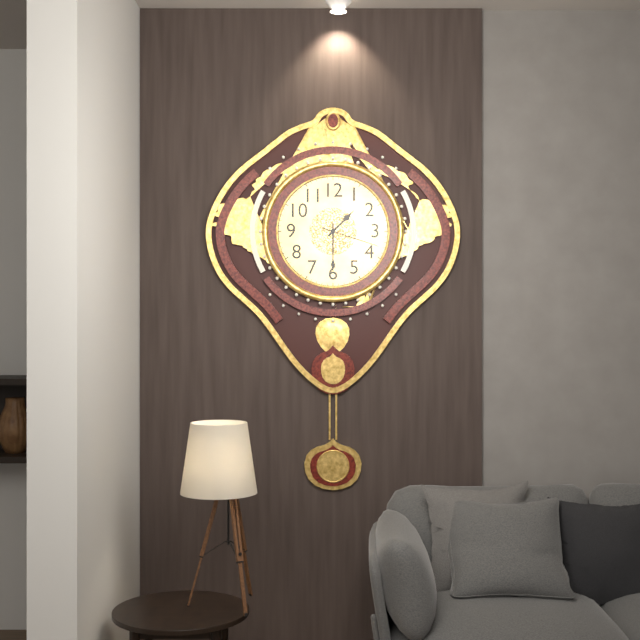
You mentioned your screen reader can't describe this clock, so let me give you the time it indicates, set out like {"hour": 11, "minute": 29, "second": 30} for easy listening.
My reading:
{"hour": 1, "minute": 30, "second": 18}
